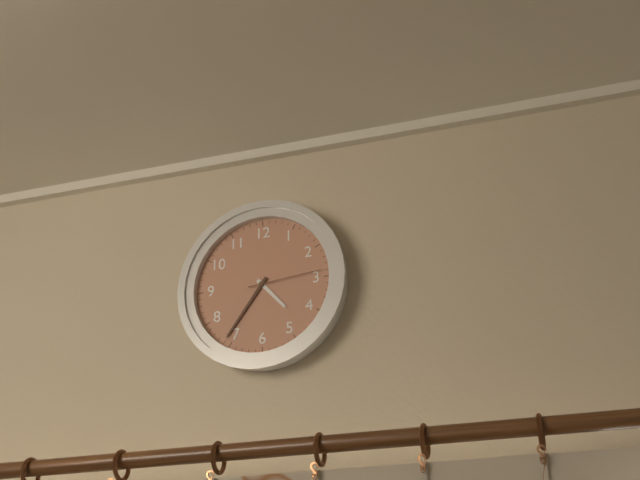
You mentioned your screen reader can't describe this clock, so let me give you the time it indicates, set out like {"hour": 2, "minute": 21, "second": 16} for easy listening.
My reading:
{"hour": 4, "minute": 36, "second": 14}
